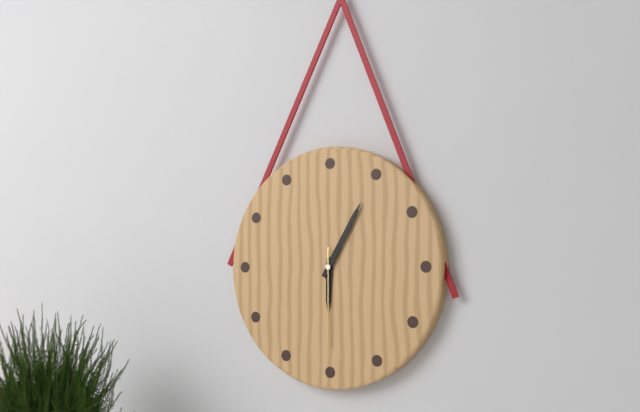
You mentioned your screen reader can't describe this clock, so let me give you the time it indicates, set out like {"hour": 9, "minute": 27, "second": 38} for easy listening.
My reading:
{"hour": 6, "minute": 5, "second": 30}
